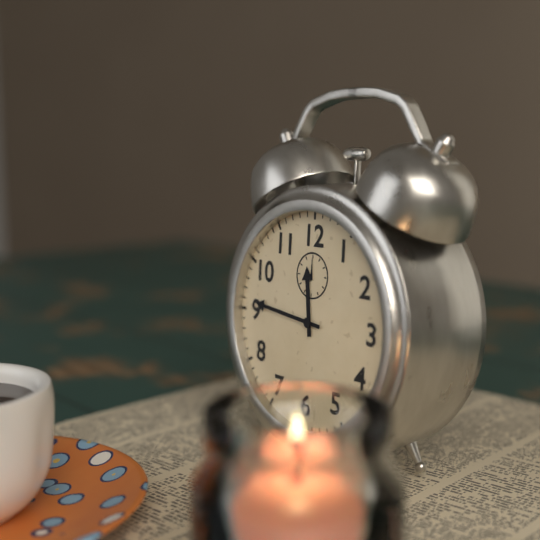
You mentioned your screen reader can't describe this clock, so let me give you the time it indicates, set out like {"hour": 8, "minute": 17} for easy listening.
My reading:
{"hour": 11, "minute": 46}
